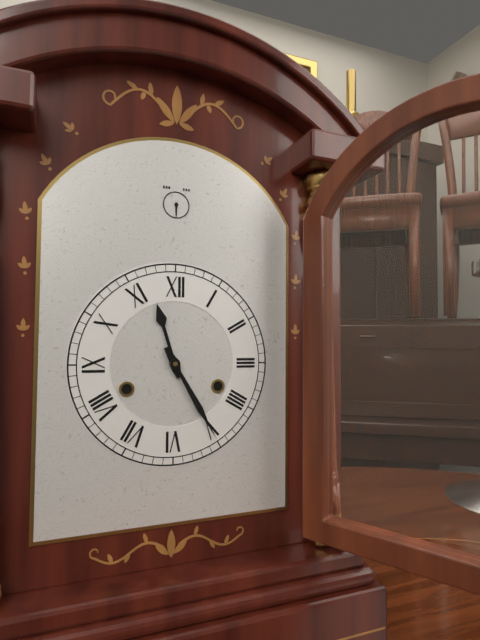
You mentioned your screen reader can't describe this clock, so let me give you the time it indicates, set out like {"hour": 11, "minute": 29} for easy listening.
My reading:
{"hour": 11, "minute": 25}
